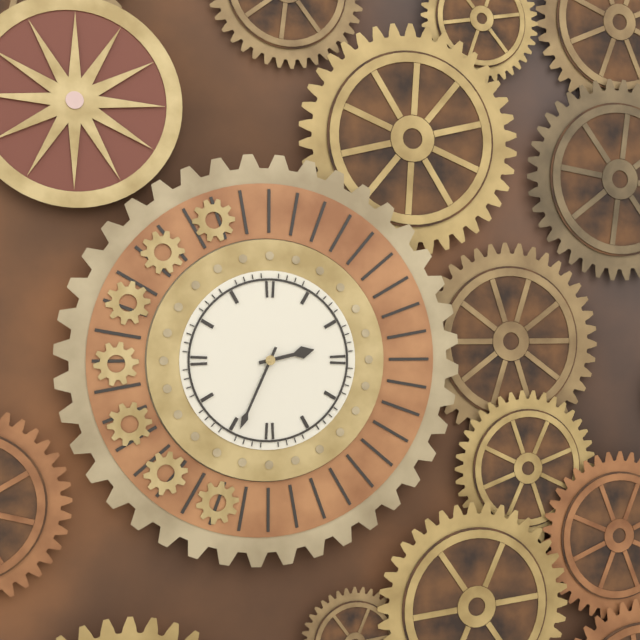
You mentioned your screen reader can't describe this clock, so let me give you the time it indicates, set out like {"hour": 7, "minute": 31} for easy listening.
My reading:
{"hour": 2, "minute": 34}
